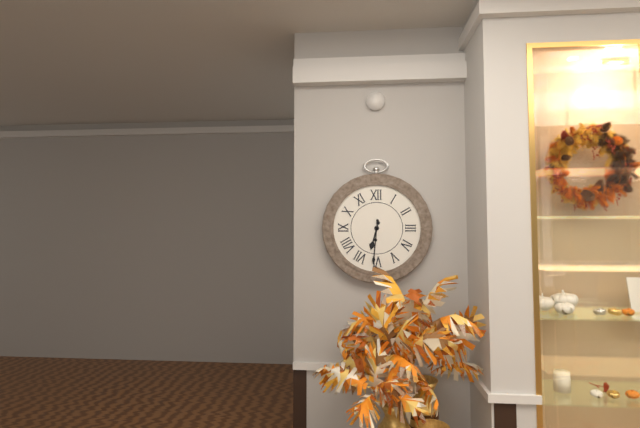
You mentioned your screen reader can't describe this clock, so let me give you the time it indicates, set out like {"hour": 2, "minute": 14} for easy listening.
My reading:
{"hour": 6, "minute": 31}
